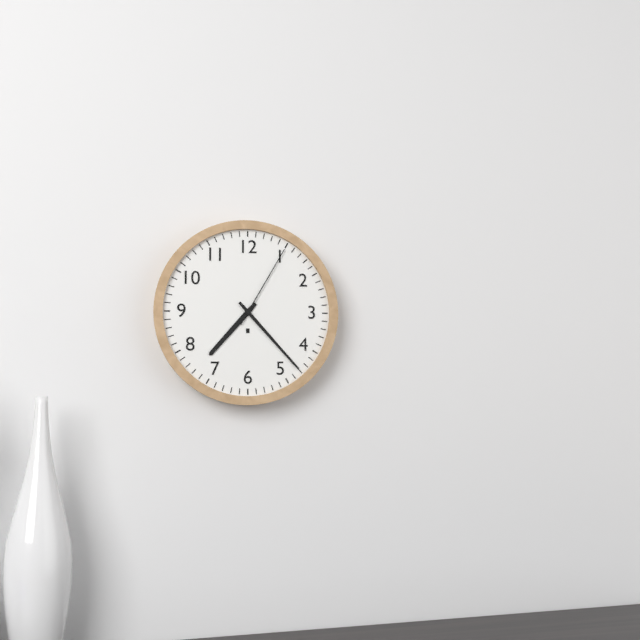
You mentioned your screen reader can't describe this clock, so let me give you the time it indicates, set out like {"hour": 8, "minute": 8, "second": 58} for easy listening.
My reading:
{"hour": 7, "minute": 23, "second": 5}
